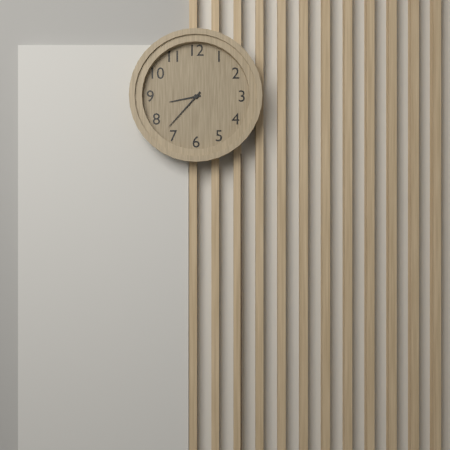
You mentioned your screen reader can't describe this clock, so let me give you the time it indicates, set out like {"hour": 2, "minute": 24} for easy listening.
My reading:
{"hour": 8, "minute": 37}
